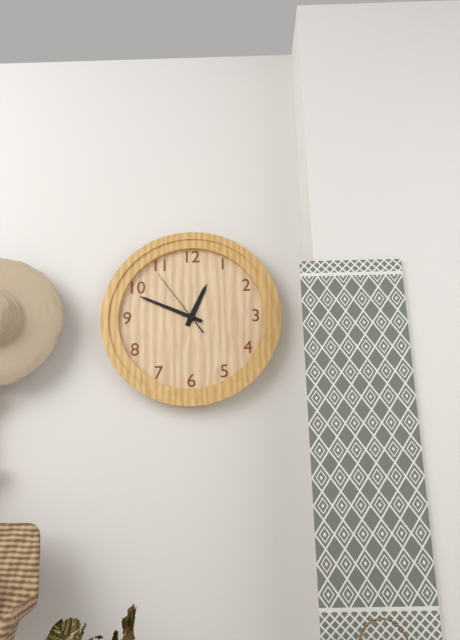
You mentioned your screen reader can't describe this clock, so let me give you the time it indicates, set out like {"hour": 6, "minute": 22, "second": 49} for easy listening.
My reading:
{"hour": 12, "minute": 49, "second": 54}
